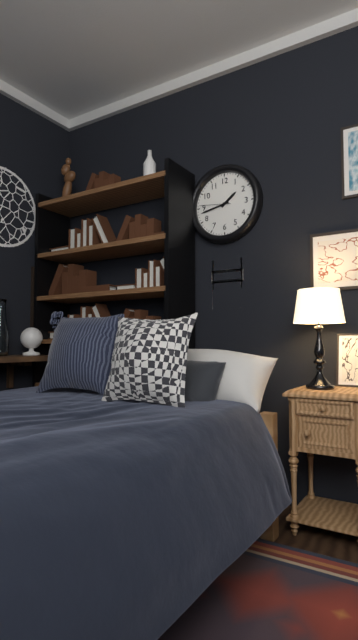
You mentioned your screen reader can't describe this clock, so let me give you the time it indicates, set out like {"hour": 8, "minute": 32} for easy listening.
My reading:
{"hour": 1, "minute": 43}
